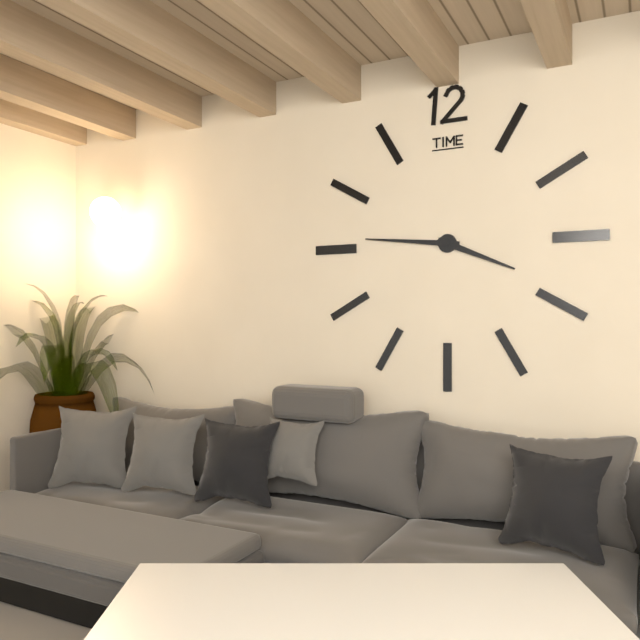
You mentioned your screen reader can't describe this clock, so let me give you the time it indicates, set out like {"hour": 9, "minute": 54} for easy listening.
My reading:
{"hour": 3, "minute": 46}
